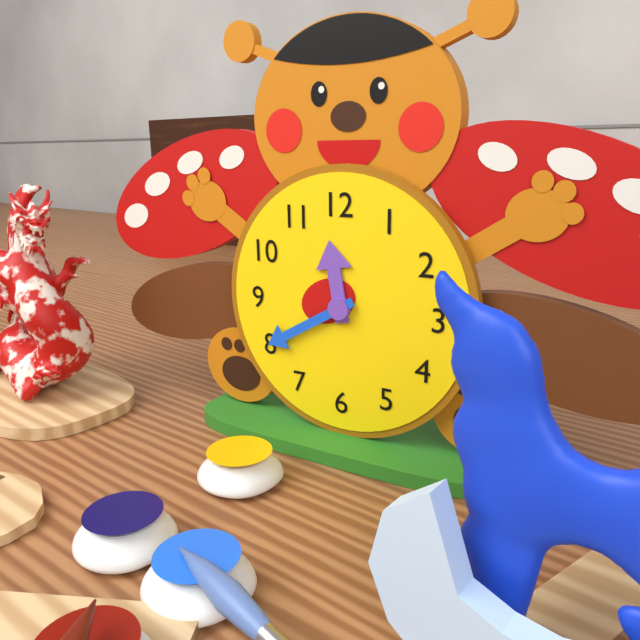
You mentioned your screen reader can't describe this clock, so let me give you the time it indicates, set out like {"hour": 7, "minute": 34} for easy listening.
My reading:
{"hour": 11, "minute": 40}
